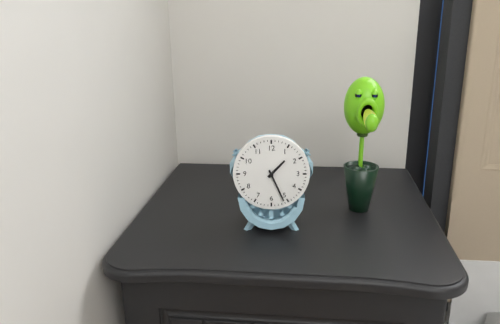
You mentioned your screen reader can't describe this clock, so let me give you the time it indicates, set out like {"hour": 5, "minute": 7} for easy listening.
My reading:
{"hour": 1, "minute": 26}
